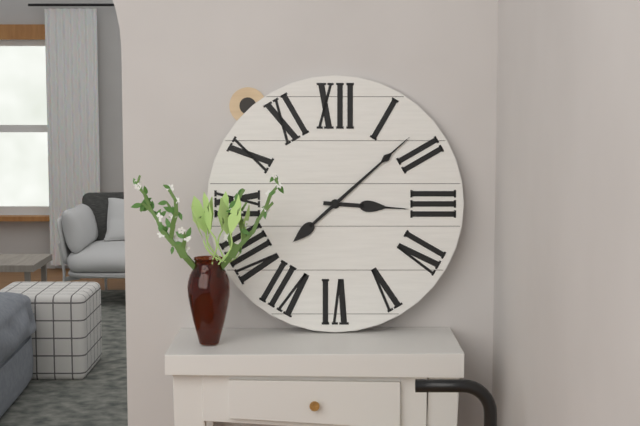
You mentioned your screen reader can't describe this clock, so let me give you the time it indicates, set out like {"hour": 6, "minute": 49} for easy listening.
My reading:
{"hour": 3, "minute": 8}
